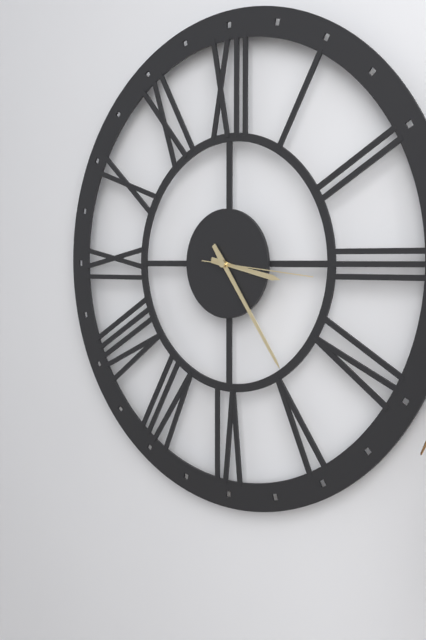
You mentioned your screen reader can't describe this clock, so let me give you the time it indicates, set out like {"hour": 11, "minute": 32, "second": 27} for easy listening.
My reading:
{"hour": 3, "minute": 24, "second": 16}
